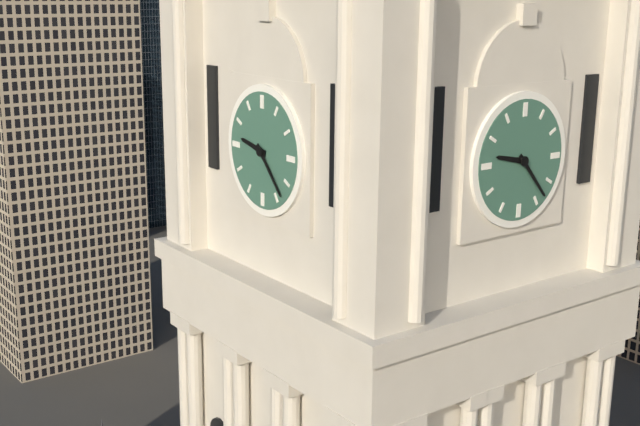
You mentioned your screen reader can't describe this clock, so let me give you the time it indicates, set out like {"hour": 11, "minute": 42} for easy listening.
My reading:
{"hour": 9, "minute": 23}
